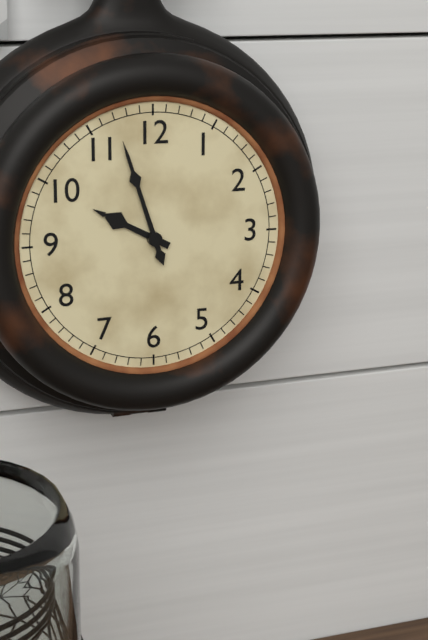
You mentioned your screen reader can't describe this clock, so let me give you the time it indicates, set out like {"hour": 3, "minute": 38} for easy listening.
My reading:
{"hour": 9, "minute": 57}
